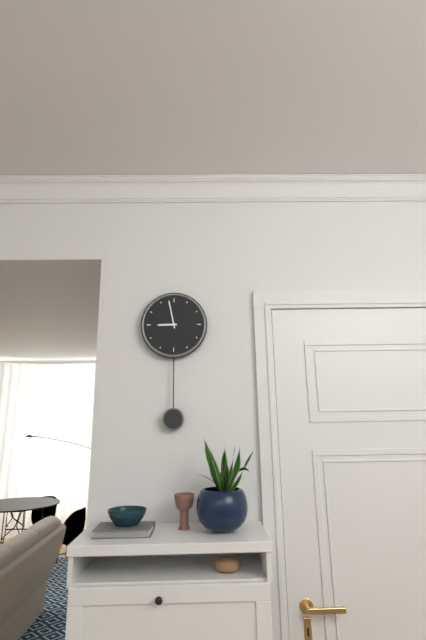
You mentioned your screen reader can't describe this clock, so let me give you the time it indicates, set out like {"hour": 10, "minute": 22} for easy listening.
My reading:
{"hour": 8, "minute": 58}
